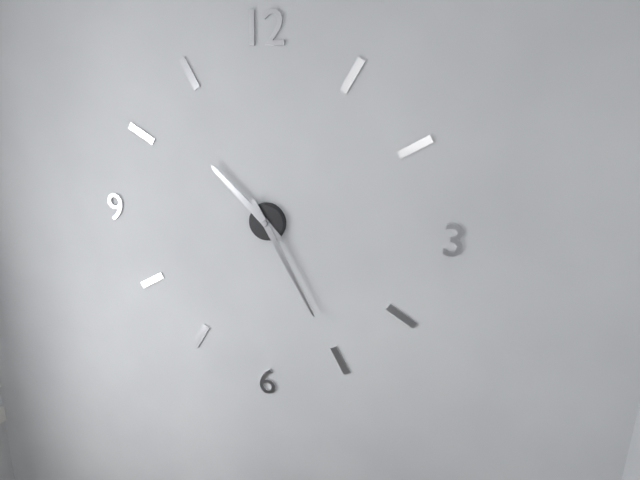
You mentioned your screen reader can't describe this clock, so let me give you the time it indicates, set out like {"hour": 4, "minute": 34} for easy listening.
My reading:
{"hour": 10, "minute": 25}
